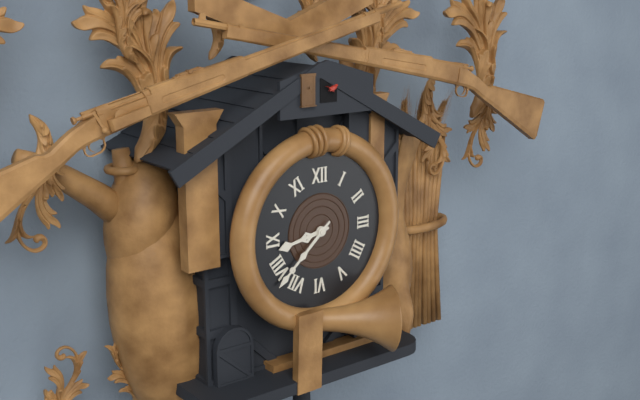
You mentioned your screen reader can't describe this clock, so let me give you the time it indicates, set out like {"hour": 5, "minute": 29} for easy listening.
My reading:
{"hour": 8, "minute": 38}
